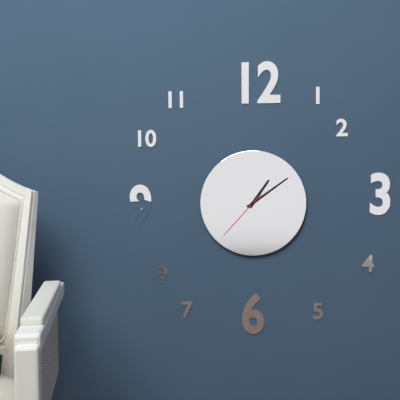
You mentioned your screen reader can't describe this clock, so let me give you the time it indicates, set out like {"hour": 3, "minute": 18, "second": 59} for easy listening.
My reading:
{"hour": 1, "minute": 9, "second": 37}
